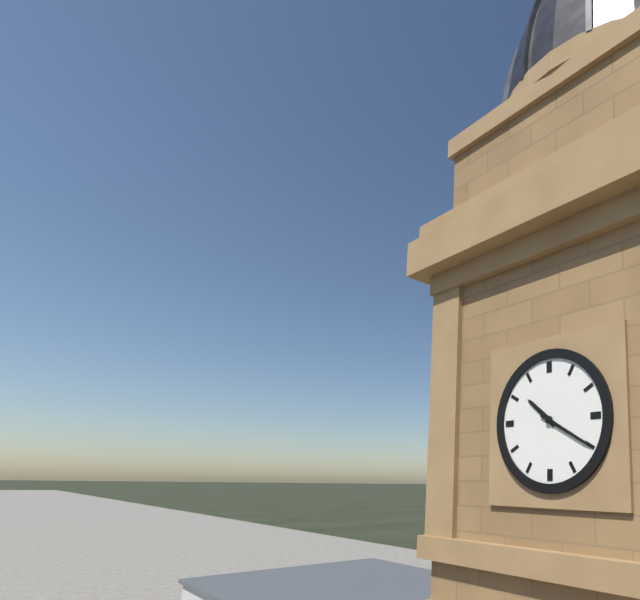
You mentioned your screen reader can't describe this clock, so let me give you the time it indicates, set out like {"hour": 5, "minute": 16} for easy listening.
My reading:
{"hour": 10, "minute": 20}
